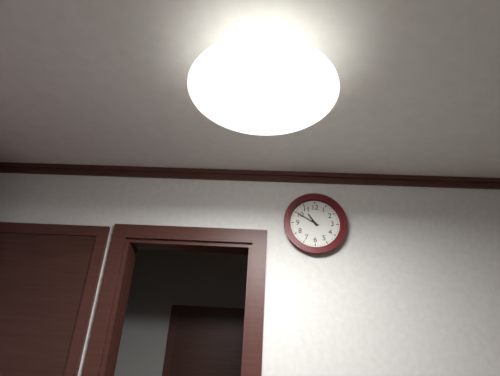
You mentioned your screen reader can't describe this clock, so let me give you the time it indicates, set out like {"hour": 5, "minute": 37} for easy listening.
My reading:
{"hour": 10, "minute": 50}
